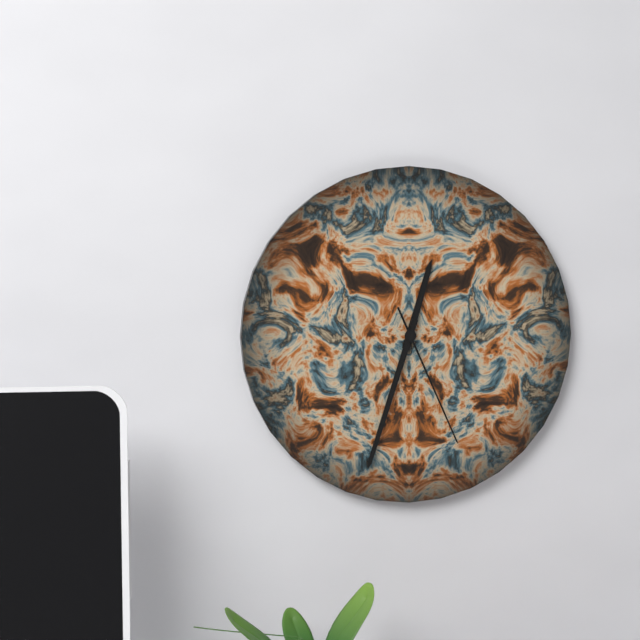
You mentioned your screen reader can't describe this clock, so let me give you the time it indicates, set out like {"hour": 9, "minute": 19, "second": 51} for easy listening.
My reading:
{"hour": 12, "minute": 33, "second": 26}
